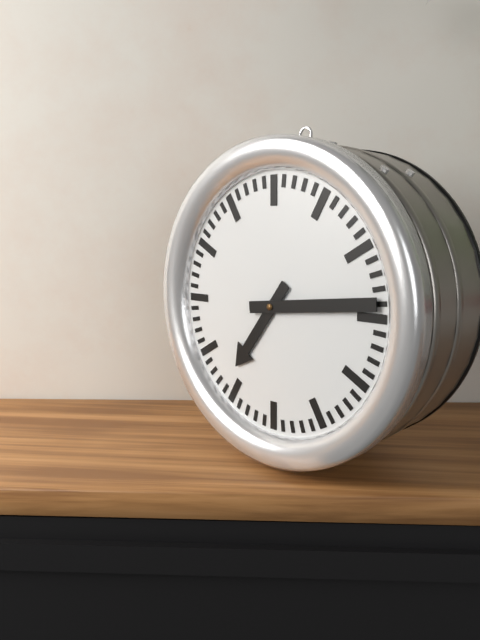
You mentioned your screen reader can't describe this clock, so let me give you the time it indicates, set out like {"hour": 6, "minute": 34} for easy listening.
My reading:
{"hour": 7, "minute": 14}
